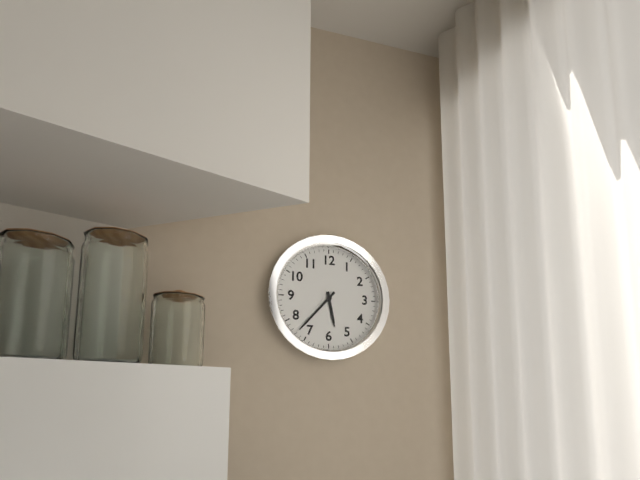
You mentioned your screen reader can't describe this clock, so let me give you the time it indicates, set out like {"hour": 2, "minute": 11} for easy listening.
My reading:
{"hour": 5, "minute": 37}
